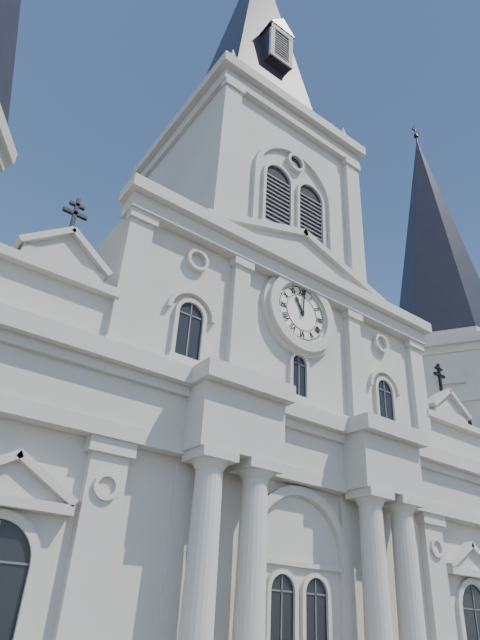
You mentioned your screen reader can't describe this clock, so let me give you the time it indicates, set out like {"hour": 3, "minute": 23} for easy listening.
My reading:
{"hour": 11, "minute": 1}
